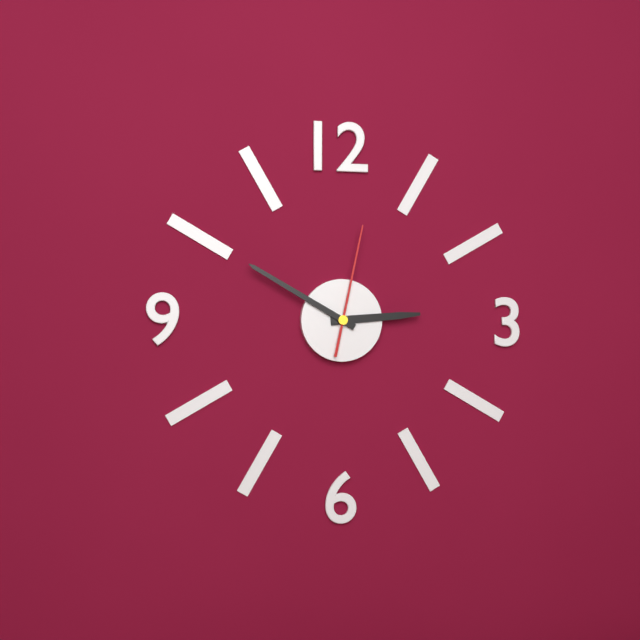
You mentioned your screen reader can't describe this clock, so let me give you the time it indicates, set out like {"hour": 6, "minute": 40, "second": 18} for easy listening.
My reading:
{"hour": 2, "minute": 50, "second": 2}
